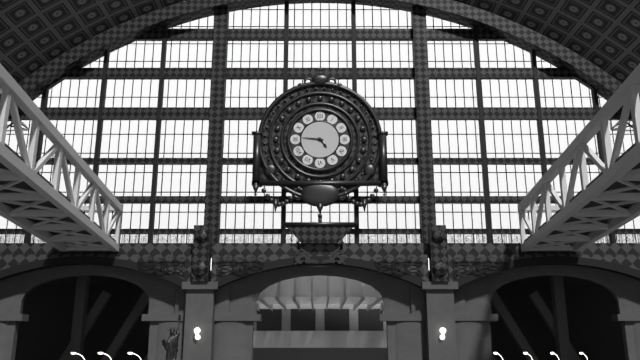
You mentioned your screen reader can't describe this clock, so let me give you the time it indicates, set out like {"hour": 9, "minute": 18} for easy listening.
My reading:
{"hour": 4, "minute": 46}
